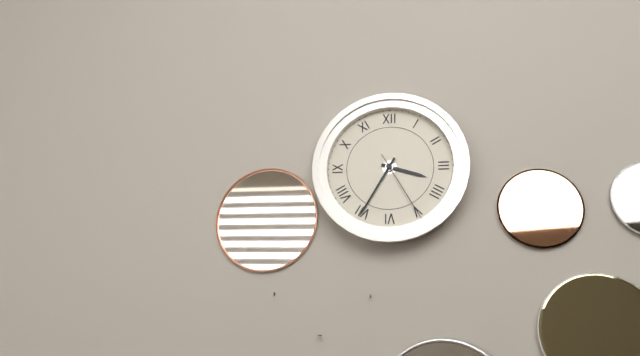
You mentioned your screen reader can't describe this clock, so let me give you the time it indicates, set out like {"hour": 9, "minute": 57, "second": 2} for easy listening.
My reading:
{"hour": 3, "minute": 35, "second": 25}
